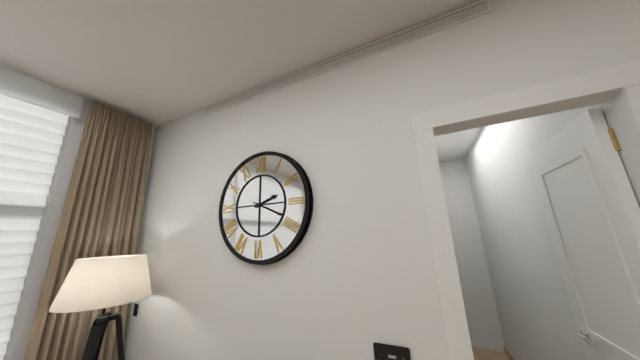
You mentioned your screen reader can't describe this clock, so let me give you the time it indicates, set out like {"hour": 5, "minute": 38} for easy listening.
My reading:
{"hour": 2, "minute": 19}
